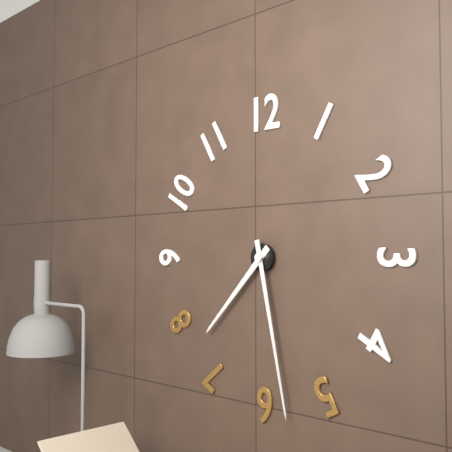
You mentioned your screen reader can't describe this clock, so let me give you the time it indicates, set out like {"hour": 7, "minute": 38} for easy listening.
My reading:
{"hour": 7, "minute": 28}
